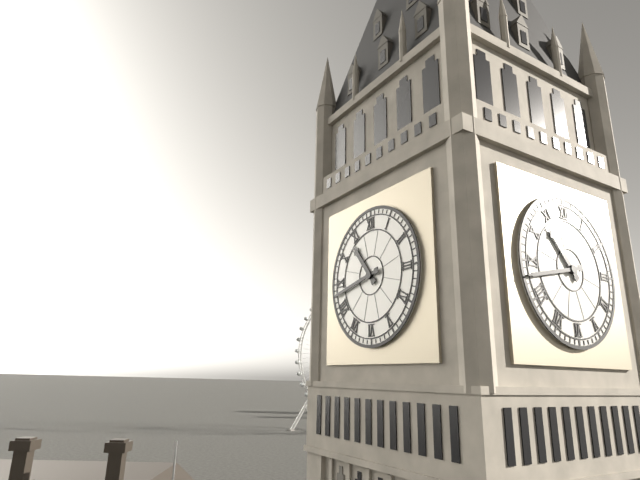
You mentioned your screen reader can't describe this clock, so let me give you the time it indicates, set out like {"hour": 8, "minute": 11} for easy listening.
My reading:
{"hour": 10, "minute": 43}
